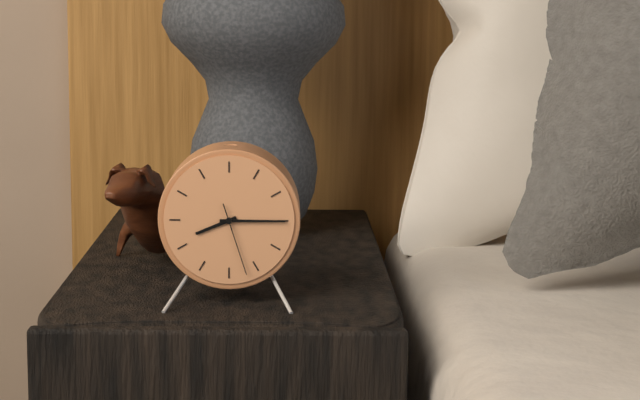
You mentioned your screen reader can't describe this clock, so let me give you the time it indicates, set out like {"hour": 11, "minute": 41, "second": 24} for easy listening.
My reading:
{"hour": 8, "minute": 15, "second": 27}
